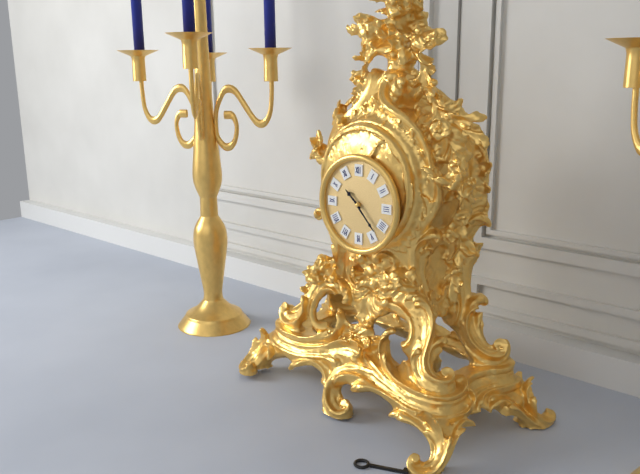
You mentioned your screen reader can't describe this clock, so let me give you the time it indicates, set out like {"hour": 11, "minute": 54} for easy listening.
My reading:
{"hour": 10, "minute": 23}
